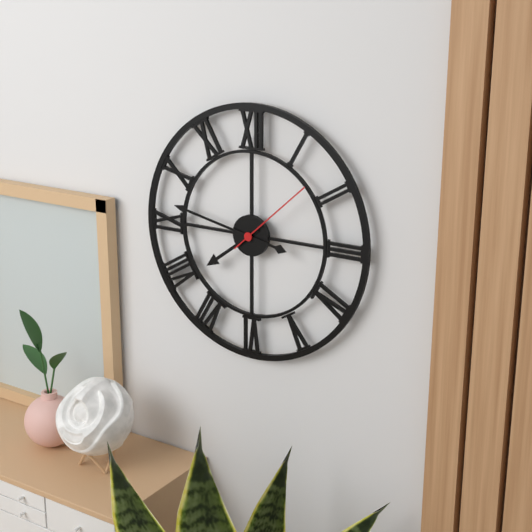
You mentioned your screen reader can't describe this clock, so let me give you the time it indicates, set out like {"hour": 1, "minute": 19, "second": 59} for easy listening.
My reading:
{"hour": 7, "minute": 47, "second": 8}
